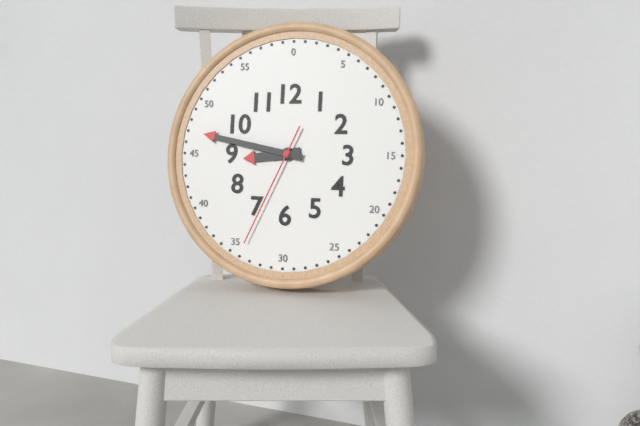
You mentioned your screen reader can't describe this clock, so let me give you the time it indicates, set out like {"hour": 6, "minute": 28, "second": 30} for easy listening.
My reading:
{"hour": 8, "minute": 47, "second": 34}
